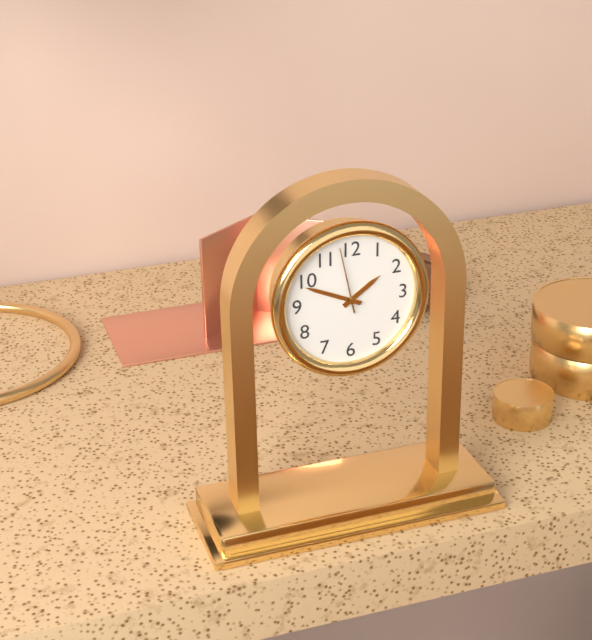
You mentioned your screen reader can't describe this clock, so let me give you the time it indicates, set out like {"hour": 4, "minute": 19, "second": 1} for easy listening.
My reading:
{"hour": 1, "minute": 49, "second": 58}
